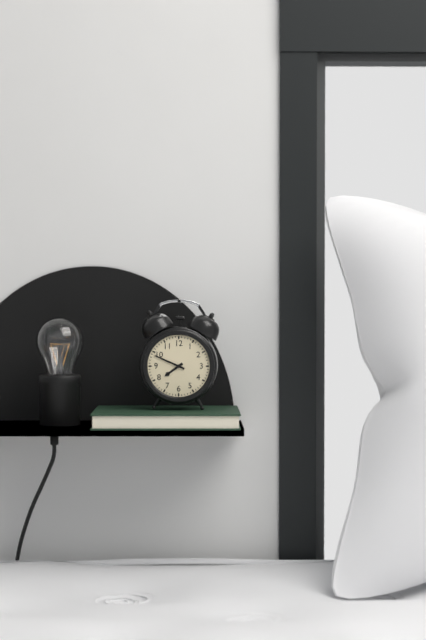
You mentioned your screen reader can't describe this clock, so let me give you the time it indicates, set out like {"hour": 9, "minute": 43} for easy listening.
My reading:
{"hour": 7, "minute": 49}
